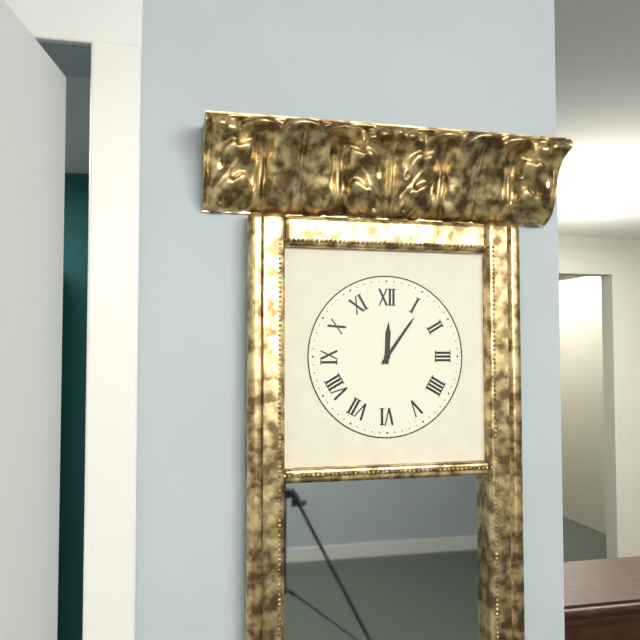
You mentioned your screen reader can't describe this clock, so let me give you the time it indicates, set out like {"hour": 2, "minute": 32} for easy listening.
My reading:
{"hour": 12, "minute": 6}
